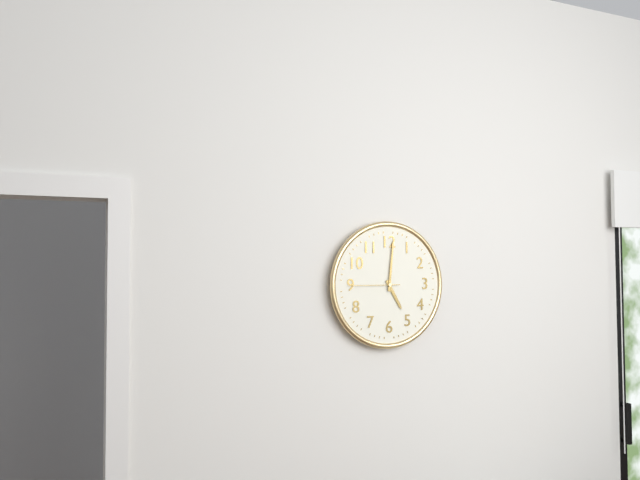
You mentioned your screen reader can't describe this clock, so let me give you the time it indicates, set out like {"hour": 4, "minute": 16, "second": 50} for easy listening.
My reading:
{"hour": 5, "minute": 1, "second": 45}
